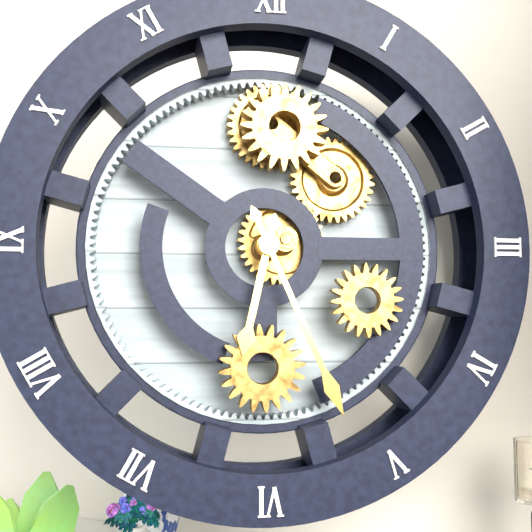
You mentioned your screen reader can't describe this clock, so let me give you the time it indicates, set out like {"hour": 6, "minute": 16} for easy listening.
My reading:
{"hour": 6, "minute": 26}
